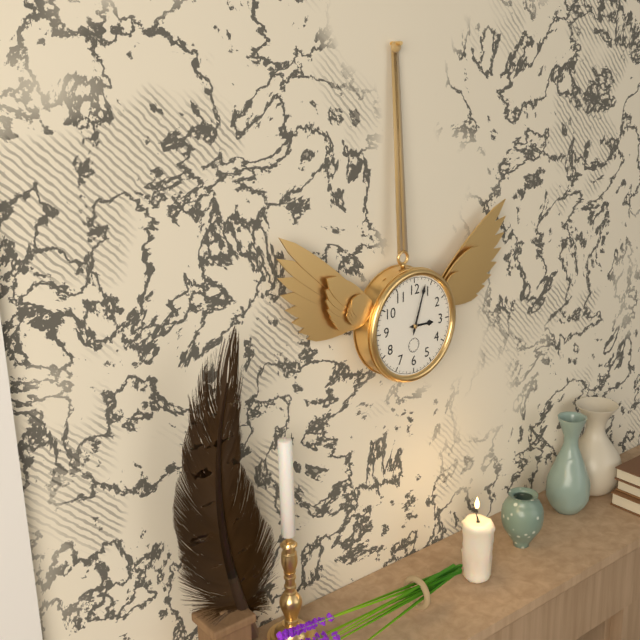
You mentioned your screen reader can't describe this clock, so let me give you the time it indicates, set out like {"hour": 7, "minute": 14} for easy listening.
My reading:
{"hour": 3, "minute": 3}
